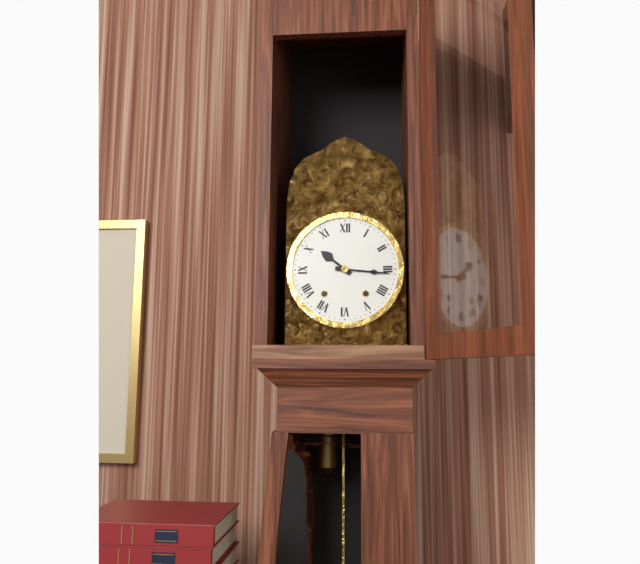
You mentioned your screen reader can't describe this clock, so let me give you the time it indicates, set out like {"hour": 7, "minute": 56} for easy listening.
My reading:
{"hour": 10, "minute": 16}
